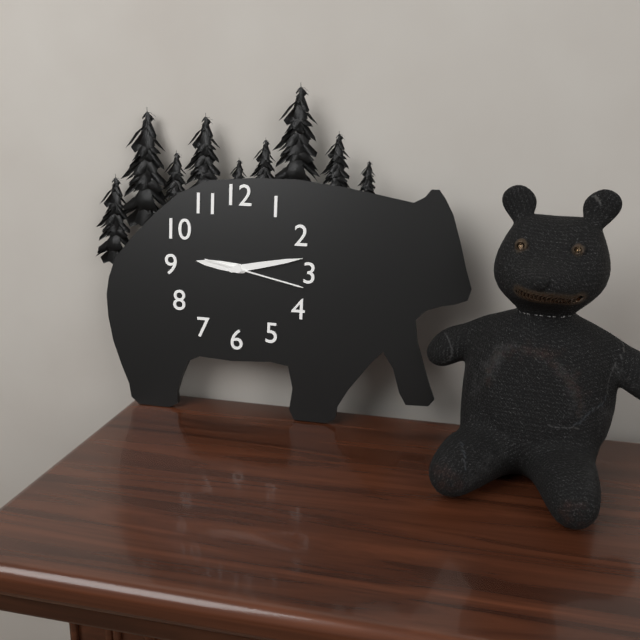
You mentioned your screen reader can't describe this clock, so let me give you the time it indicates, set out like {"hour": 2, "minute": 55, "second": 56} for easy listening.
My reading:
{"hour": 9, "minute": 13, "second": 17}
